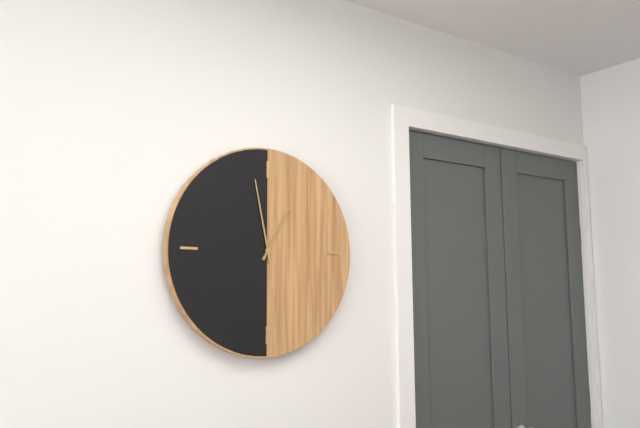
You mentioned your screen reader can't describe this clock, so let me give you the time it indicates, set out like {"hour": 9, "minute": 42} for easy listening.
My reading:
{"hour": 12, "minute": 58}
